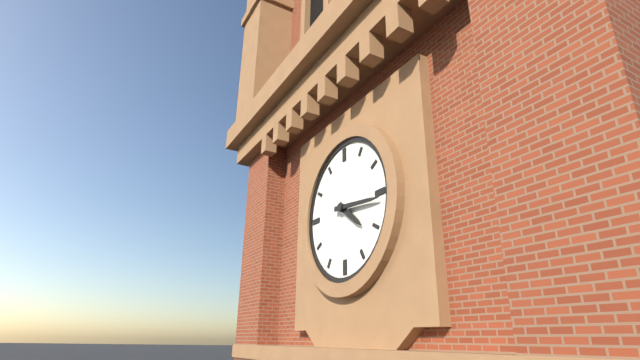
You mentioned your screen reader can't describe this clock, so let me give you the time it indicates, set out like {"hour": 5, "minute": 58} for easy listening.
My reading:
{"hour": 4, "minute": 16}
